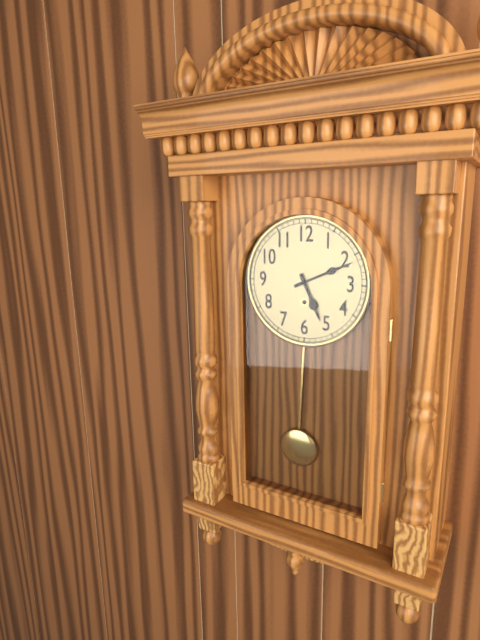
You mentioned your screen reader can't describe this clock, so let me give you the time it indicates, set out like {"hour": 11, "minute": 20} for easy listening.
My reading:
{"hour": 5, "minute": 11}
